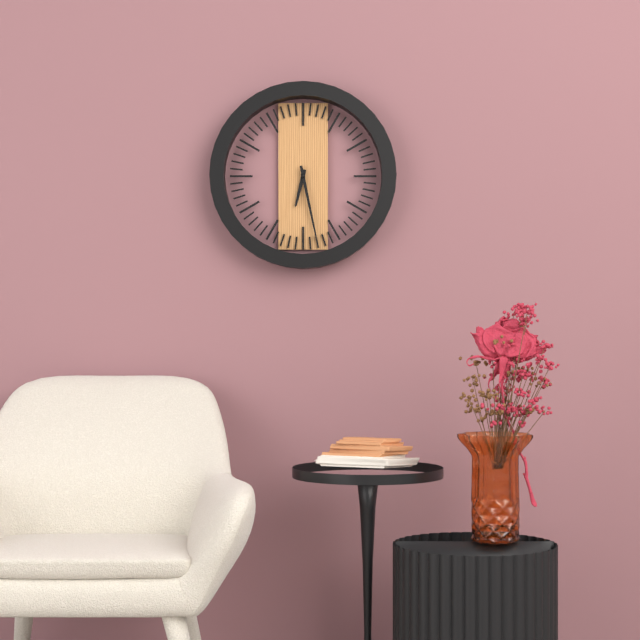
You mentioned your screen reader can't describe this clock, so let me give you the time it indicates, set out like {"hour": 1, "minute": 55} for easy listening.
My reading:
{"hour": 6, "minute": 28}
